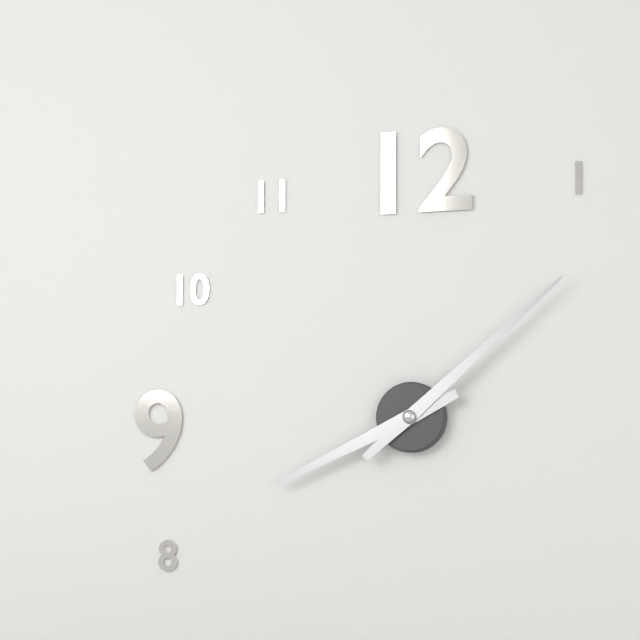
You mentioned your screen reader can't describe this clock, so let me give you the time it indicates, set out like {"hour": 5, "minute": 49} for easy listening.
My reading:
{"hour": 8, "minute": 8}
